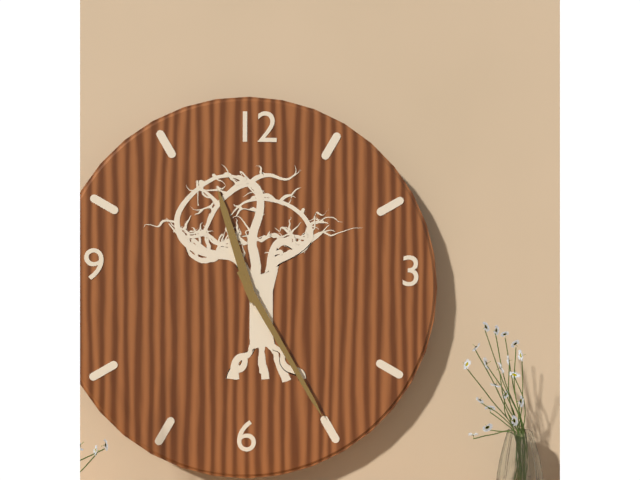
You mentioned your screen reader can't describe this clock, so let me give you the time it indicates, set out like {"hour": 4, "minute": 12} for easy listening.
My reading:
{"hour": 11, "minute": 25}
